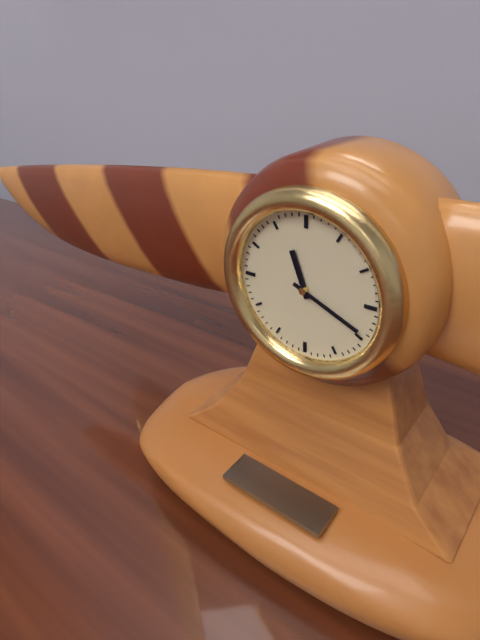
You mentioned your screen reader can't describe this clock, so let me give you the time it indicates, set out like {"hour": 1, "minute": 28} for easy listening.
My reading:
{"hour": 11, "minute": 19}
